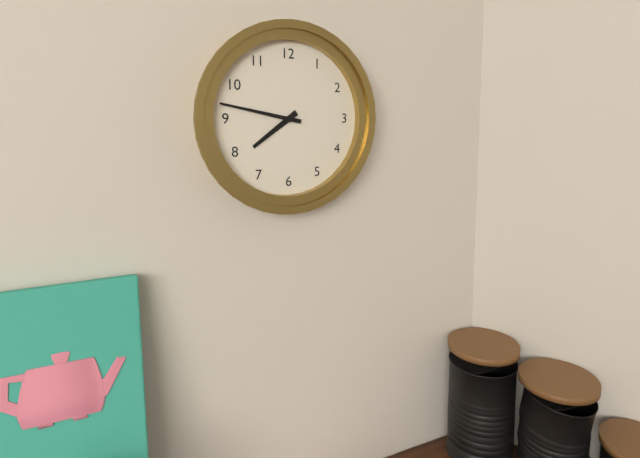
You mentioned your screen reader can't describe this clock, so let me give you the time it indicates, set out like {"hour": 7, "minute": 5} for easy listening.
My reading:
{"hour": 7, "minute": 47}
